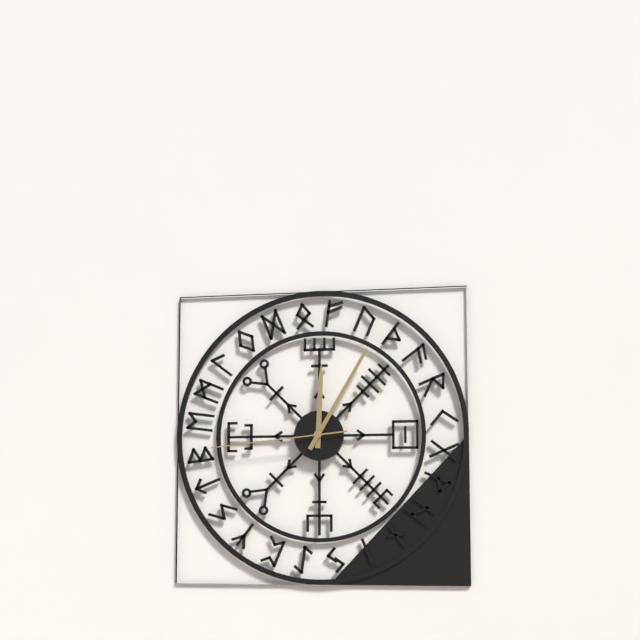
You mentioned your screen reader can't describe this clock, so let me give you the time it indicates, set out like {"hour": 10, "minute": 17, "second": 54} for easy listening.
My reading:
{"hour": 12, "minute": 5, "second": 44}
